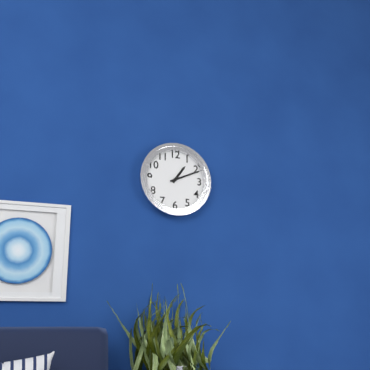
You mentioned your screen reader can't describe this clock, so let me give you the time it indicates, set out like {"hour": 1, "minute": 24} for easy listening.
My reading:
{"hour": 1, "minute": 11}
